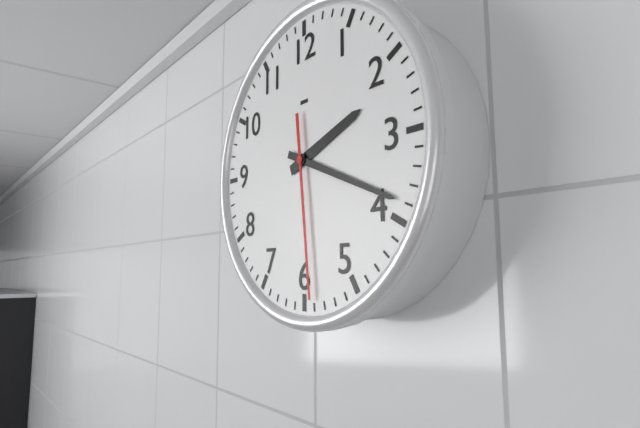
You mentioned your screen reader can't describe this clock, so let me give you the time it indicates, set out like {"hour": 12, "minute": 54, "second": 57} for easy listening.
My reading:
{"hour": 2, "minute": 19, "second": 29}
